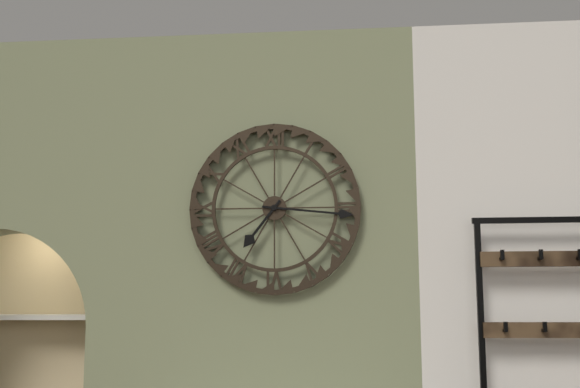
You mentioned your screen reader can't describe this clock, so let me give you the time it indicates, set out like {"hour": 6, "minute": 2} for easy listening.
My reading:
{"hour": 7, "minute": 16}
